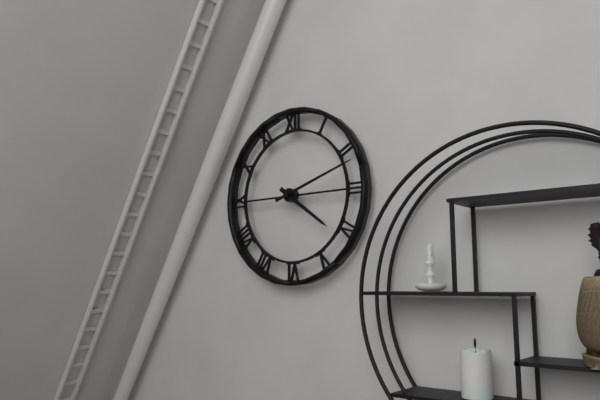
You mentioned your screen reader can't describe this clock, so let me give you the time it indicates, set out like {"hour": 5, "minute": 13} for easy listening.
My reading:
{"hour": 4, "minute": 12}
